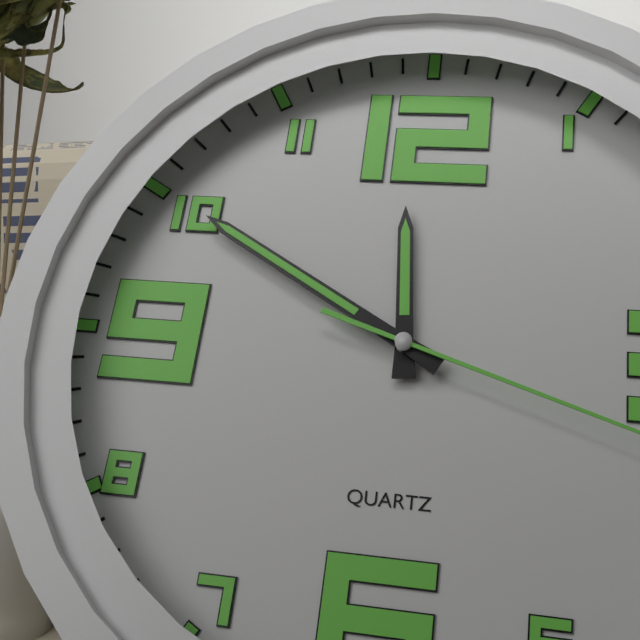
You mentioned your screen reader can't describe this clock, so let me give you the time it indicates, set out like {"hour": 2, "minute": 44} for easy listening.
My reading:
{"hour": 11, "minute": 50}
